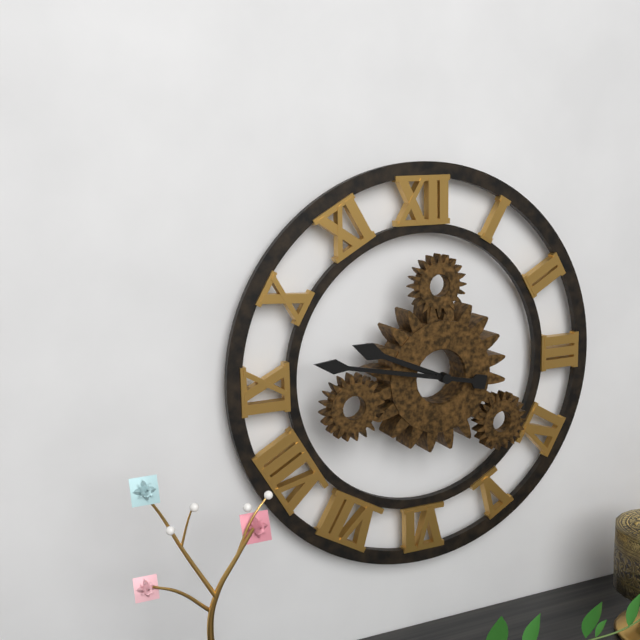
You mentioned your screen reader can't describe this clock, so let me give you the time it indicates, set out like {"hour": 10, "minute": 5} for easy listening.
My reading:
{"hour": 9, "minute": 47}
